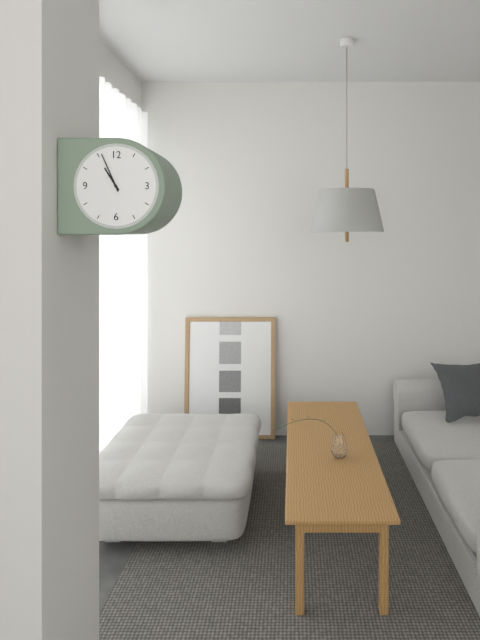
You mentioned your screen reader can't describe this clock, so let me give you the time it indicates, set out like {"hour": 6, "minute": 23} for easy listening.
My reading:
{"hour": 10, "minute": 56}
